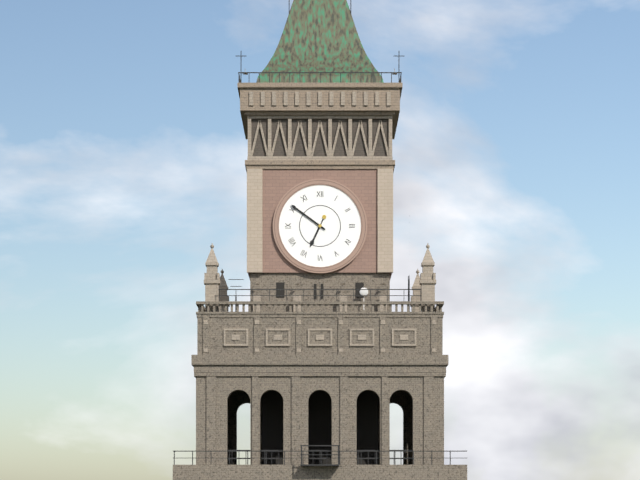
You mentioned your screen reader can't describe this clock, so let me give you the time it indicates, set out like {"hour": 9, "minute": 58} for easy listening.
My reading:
{"hour": 6, "minute": 51}
